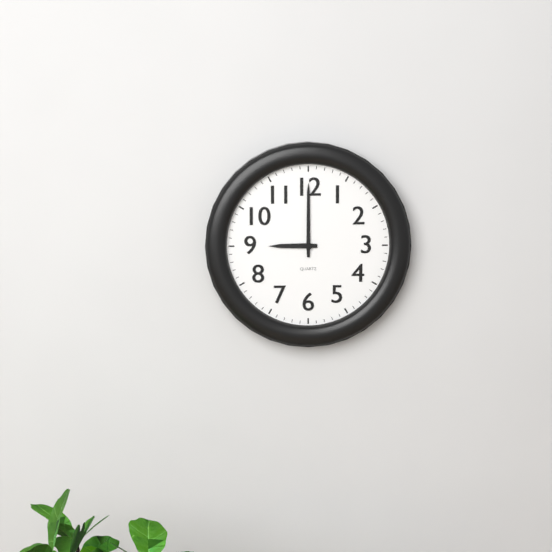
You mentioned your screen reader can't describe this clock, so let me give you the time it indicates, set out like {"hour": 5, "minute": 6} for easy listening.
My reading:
{"hour": 9, "minute": 0}
